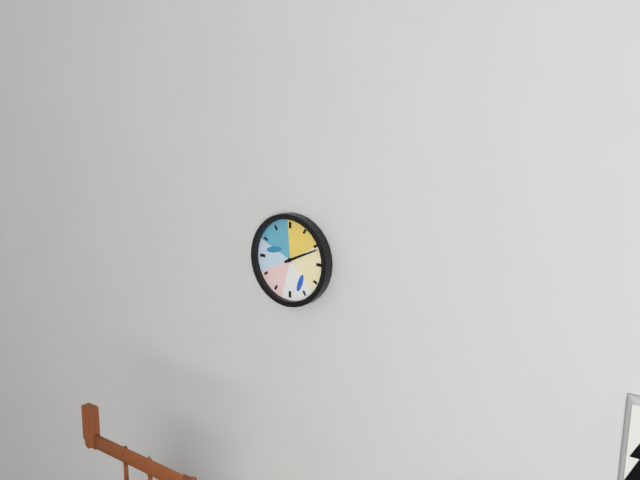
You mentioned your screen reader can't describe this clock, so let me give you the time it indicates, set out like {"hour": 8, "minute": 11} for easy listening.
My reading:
{"hour": 2, "minute": 11}
